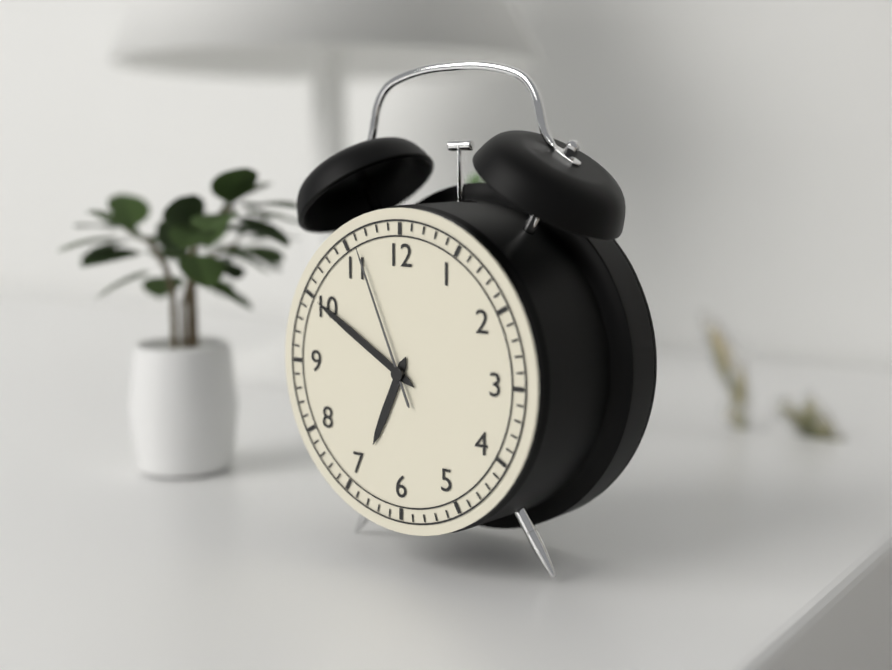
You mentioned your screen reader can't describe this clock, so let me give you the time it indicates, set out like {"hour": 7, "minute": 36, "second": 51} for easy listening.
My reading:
{"hour": 6, "minute": 50, "second": 56}
